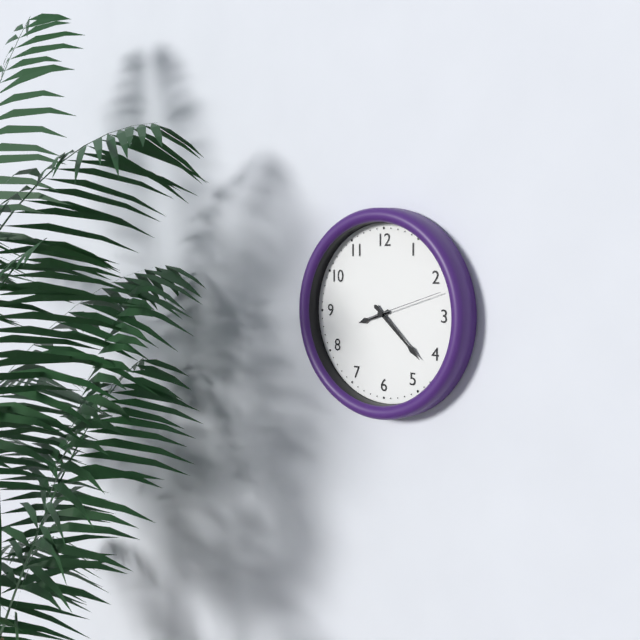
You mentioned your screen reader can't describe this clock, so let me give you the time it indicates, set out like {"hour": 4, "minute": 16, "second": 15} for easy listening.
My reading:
{"hour": 8, "minute": 22, "second": 12}
